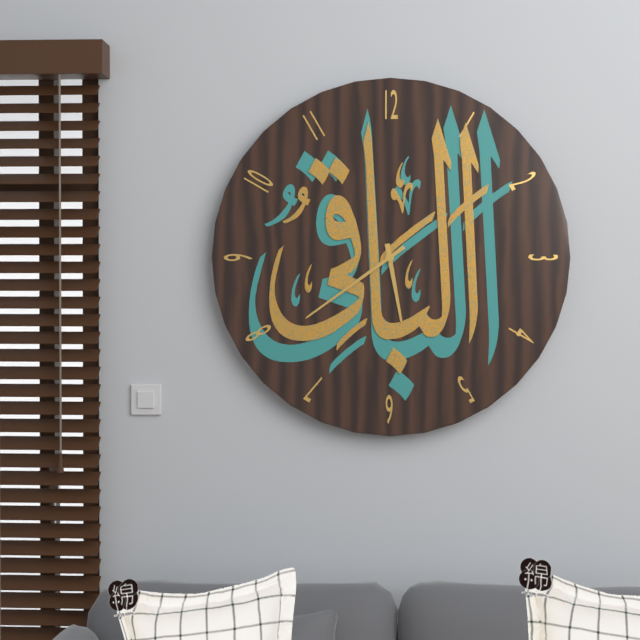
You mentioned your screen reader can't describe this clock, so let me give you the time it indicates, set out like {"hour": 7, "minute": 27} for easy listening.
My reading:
{"hour": 5, "minute": 39}
